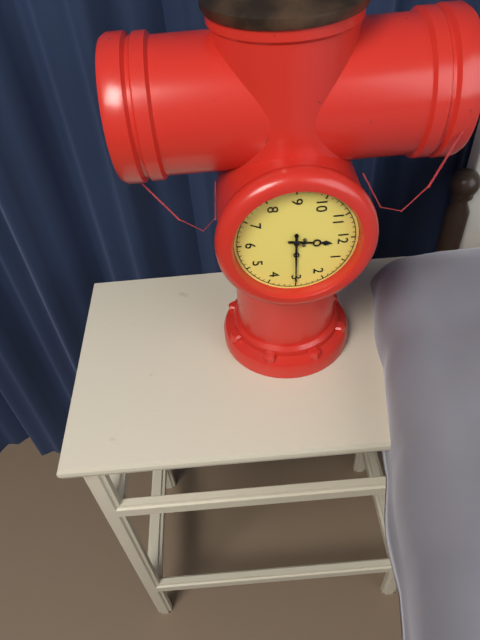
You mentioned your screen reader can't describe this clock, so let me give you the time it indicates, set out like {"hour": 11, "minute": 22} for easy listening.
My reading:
{"hour": 12, "minute": 15}
